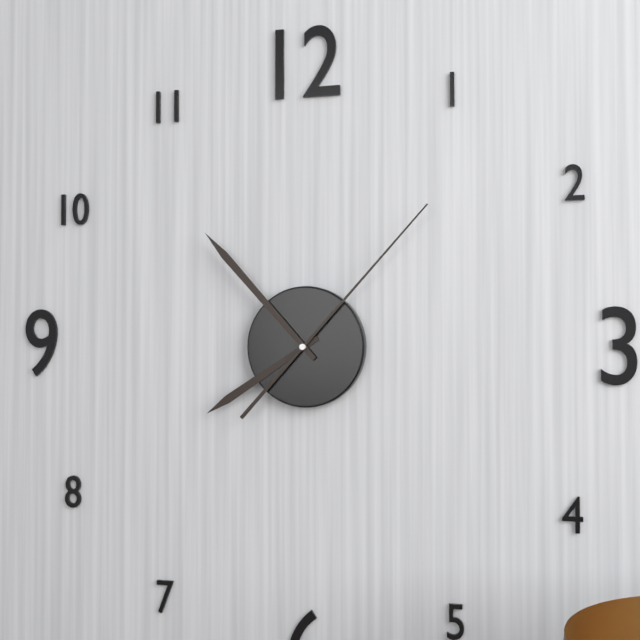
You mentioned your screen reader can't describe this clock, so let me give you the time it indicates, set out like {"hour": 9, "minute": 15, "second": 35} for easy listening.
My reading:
{"hour": 7, "minute": 53, "second": 7}
